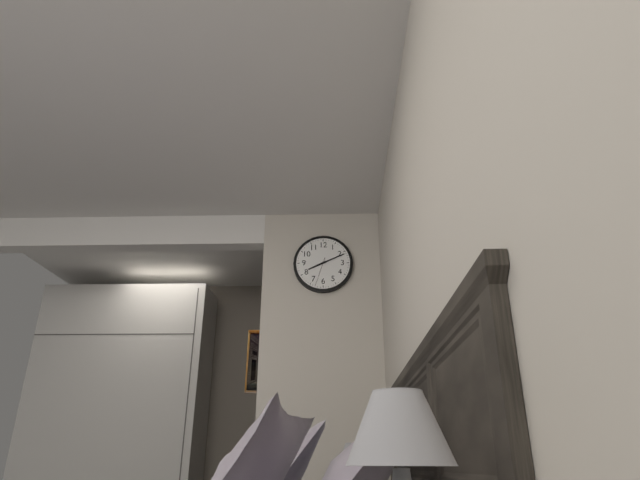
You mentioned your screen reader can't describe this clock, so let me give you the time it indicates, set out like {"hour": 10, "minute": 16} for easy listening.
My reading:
{"hour": 8, "minute": 11}
